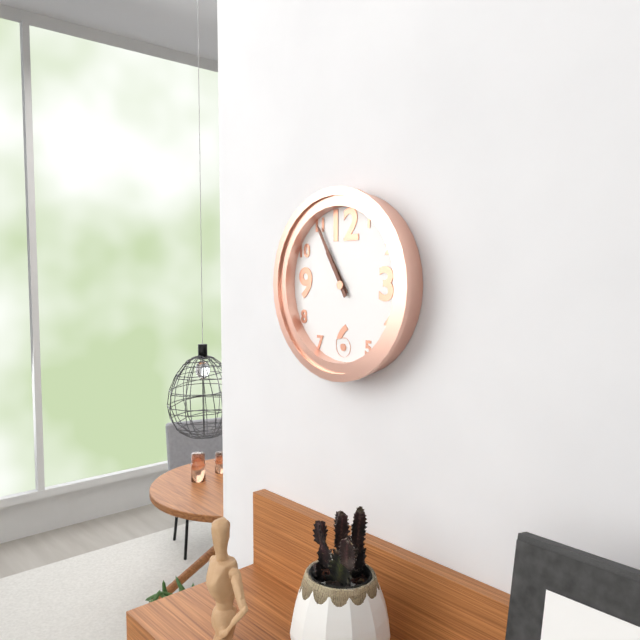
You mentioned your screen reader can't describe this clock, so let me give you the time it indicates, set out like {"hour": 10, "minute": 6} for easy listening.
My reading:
{"hour": 10, "minute": 55}
